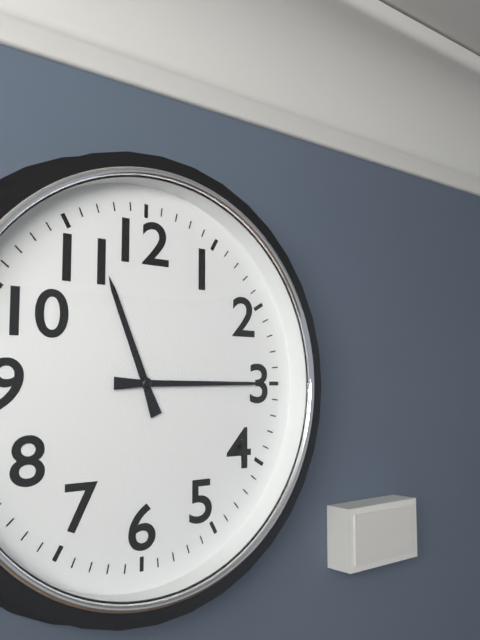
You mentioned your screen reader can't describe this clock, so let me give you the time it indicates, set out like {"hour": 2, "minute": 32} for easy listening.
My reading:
{"hour": 11, "minute": 15}
